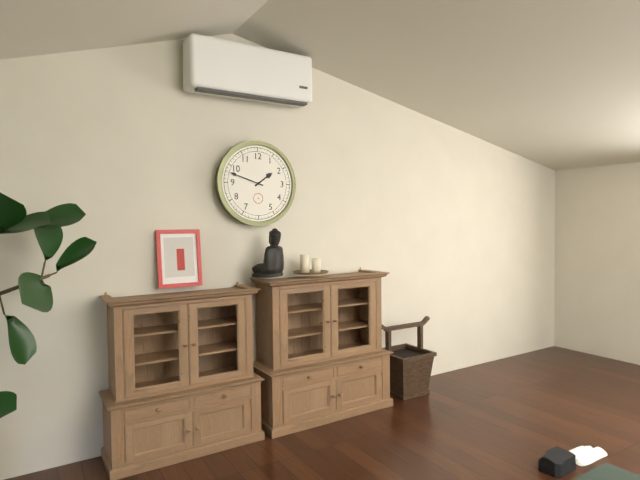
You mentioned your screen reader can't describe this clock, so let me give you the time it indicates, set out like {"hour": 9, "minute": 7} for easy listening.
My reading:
{"hour": 1, "minute": 48}
